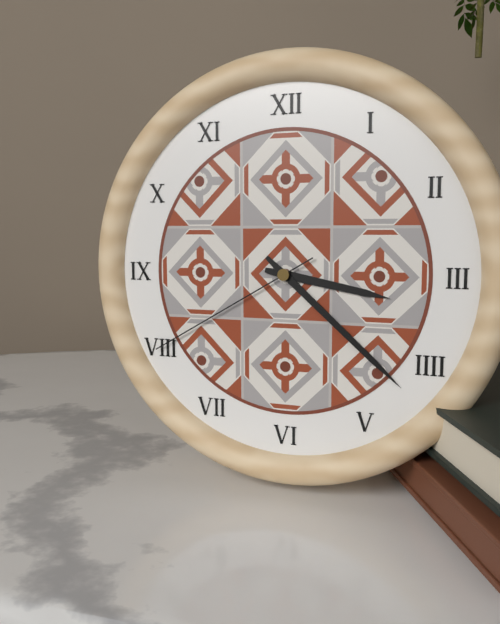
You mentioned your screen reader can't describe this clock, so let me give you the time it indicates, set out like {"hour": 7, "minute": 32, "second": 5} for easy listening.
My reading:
{"hour": 3, "minute": 22, "second": 40}
